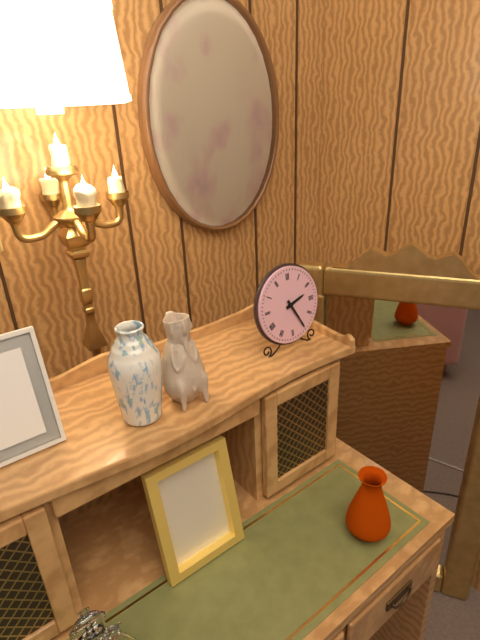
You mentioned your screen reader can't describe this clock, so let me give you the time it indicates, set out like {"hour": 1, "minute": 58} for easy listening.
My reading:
{"hour": 2, "minute": 25}
